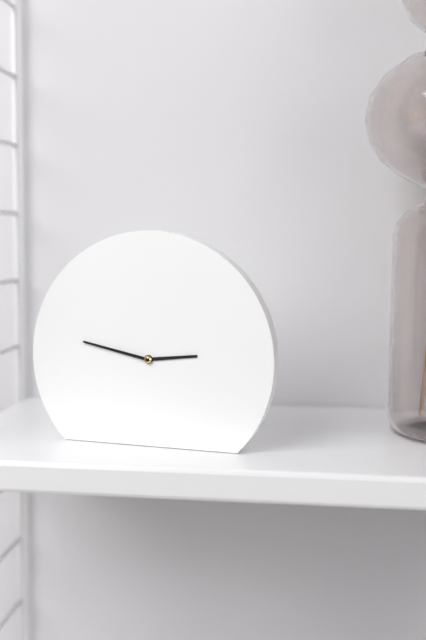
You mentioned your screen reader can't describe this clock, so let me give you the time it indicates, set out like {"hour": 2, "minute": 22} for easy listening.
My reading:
{"hour": 2, "minute": 47}
